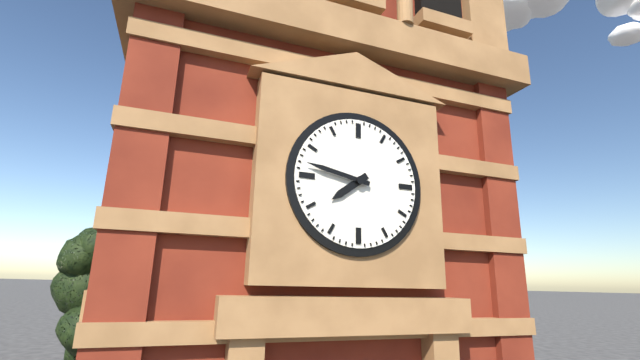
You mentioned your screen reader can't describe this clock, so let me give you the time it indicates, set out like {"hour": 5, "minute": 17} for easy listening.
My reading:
{"hour": 7, "minute": 47}
